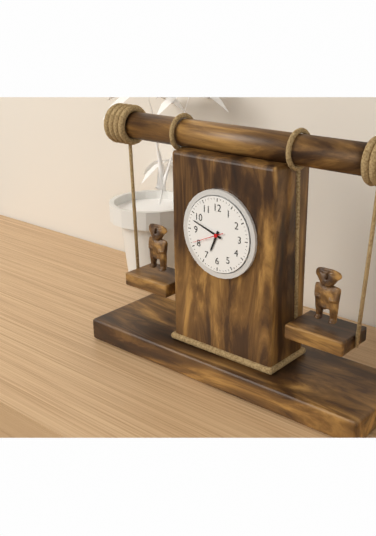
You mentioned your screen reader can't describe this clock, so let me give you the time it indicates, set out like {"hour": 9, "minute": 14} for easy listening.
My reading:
{"hour": 6, "minute": 48}
